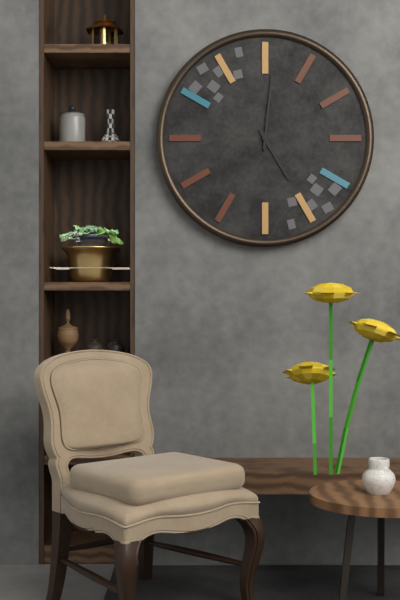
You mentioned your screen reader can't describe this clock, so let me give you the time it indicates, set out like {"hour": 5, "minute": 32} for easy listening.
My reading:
{"hour": 5, "minute": 1}
